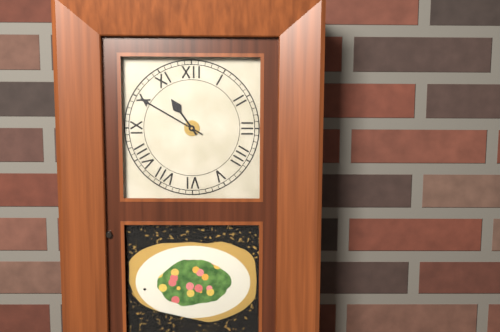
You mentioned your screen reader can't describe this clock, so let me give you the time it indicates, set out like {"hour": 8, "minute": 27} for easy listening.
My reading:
{"hour": 10, "minute": 50}
